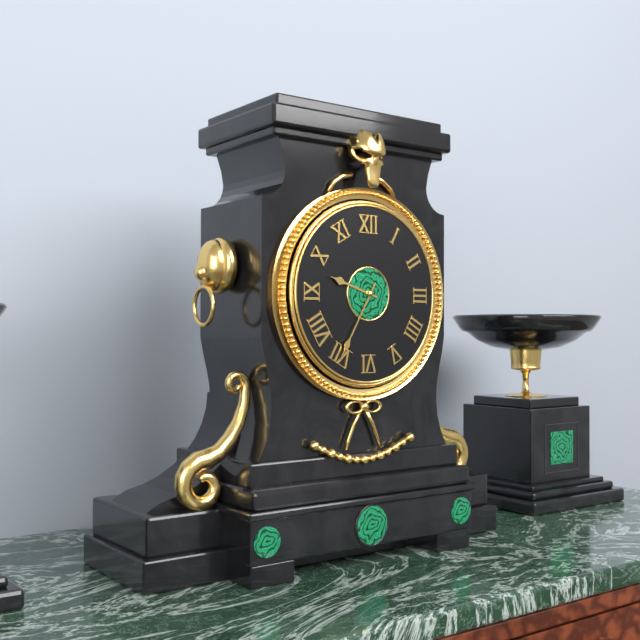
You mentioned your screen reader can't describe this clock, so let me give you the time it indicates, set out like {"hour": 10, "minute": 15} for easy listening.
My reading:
{"hour": 9, "minute": 35}
